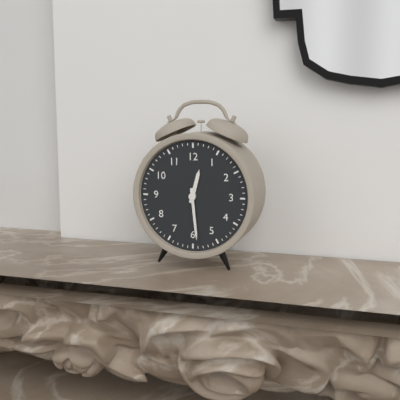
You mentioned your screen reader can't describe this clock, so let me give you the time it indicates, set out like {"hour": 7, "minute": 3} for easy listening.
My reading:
{"hour": 12, "minute": 29}
